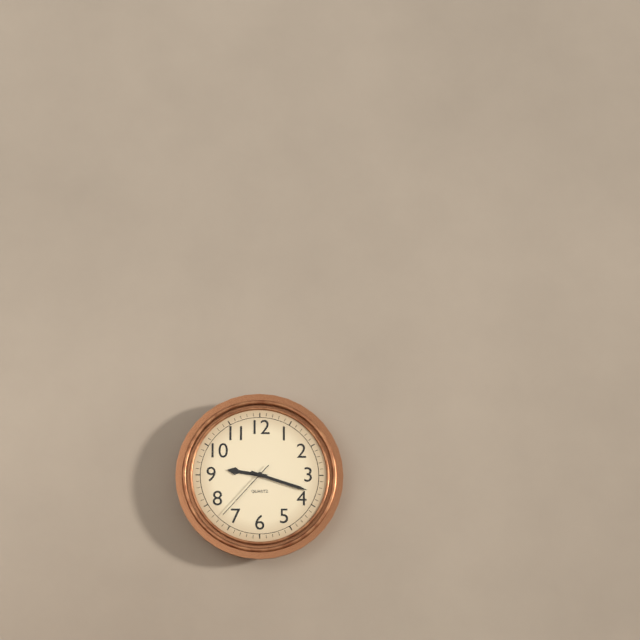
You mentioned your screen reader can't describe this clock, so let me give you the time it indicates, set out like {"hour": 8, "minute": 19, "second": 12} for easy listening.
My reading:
{"hour": 9, "minute": 18, "second": 37}
